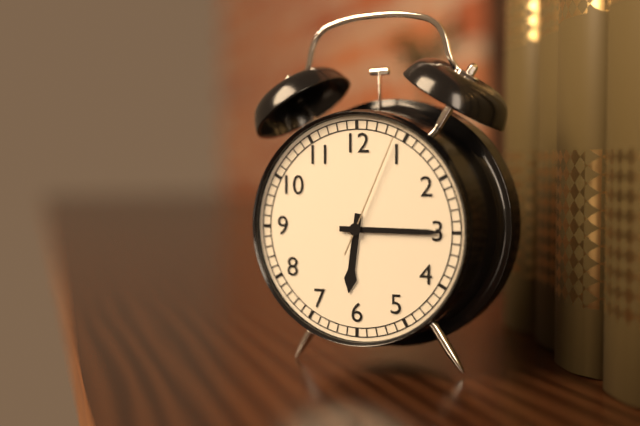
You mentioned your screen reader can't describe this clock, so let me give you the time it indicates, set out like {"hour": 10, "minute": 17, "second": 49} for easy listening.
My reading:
{"hour": 6, "minute": 15, "second": 4}
